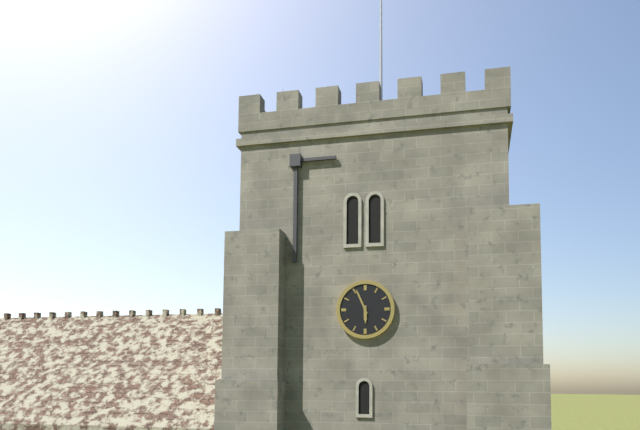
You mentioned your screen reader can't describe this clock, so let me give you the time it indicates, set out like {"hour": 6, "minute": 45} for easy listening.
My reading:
{"hour": 5, "minute": 56}
